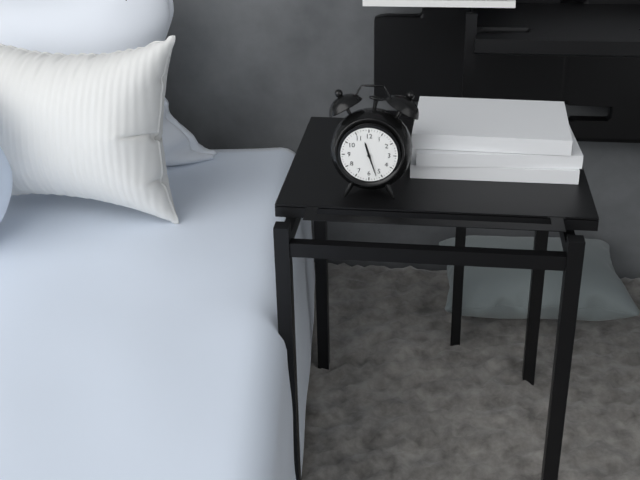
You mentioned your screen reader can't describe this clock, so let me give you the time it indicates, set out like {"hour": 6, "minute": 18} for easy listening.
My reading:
{"hour": 11, "minute": 27}
